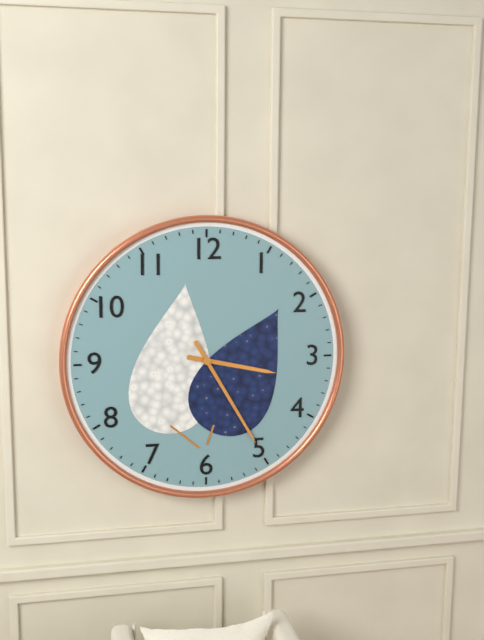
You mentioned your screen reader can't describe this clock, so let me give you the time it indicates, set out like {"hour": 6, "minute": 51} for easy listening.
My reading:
{"hour": 3, "minute": 25}
